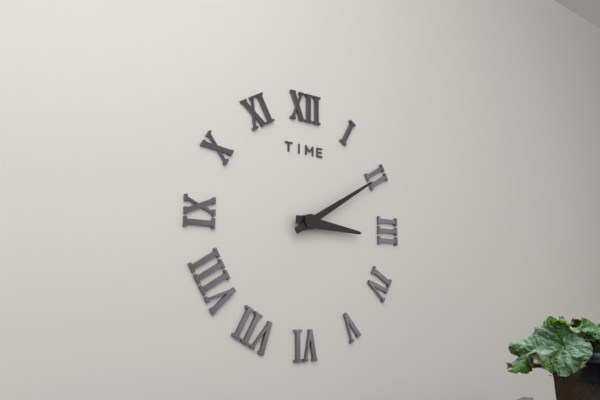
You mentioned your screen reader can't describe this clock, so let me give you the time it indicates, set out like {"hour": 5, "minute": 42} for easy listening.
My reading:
{"hour": 3, "minute": 10}
